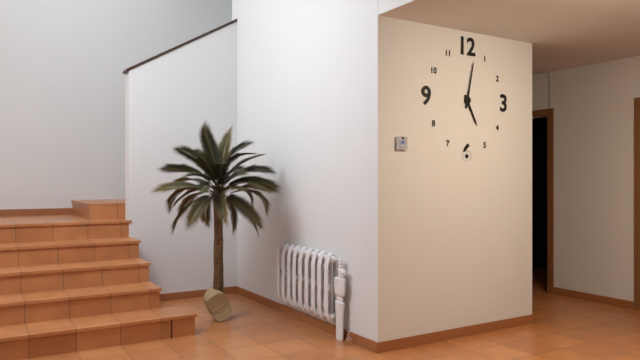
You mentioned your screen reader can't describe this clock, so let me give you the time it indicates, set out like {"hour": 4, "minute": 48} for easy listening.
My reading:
{"hour": 5, "minute": 2}
